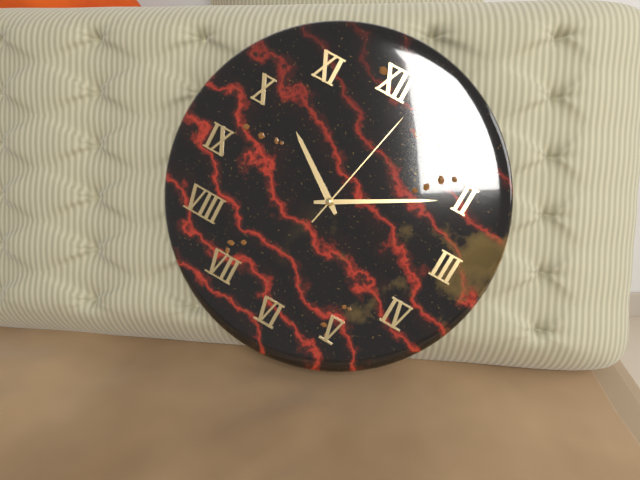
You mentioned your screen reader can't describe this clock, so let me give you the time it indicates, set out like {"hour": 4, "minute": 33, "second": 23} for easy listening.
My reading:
{"hour": 10, "minute": 10, "second": 2}
